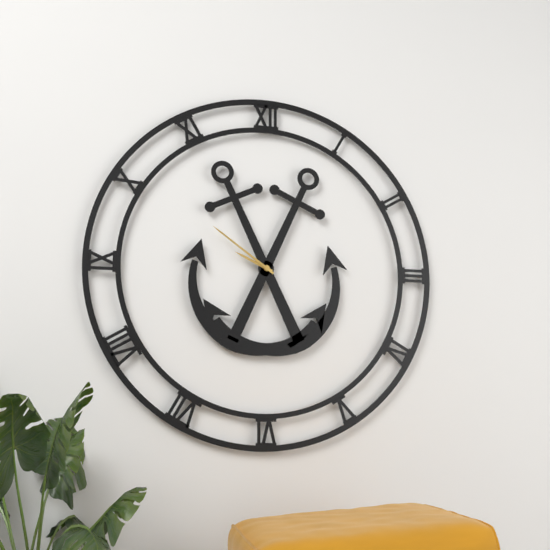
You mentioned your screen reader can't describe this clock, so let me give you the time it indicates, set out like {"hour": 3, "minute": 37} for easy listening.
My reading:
{"hour": 9, "minute": 51}
